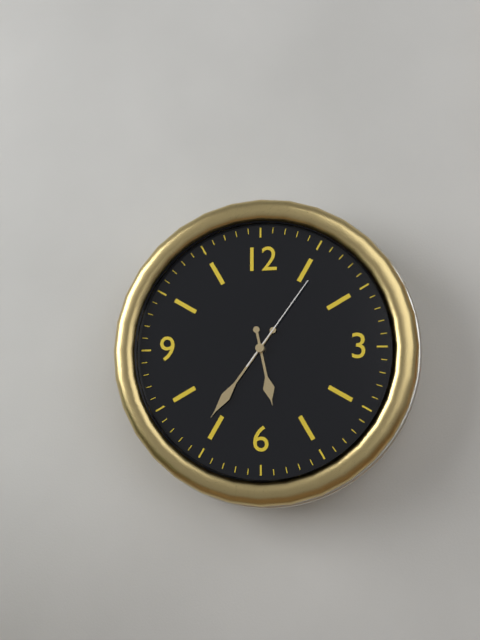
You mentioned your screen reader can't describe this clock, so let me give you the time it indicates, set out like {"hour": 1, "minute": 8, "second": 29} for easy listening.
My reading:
{"hour": 5, "minute": 36, "second": 6}
